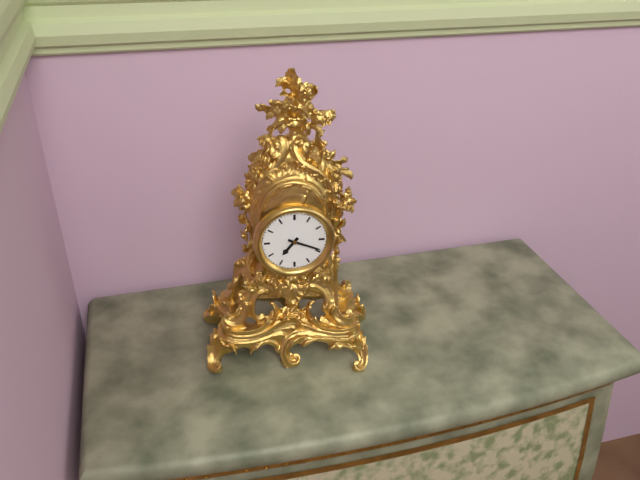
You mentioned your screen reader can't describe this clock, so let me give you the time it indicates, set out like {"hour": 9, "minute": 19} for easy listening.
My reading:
{"hour": 7, "minute": 19}
